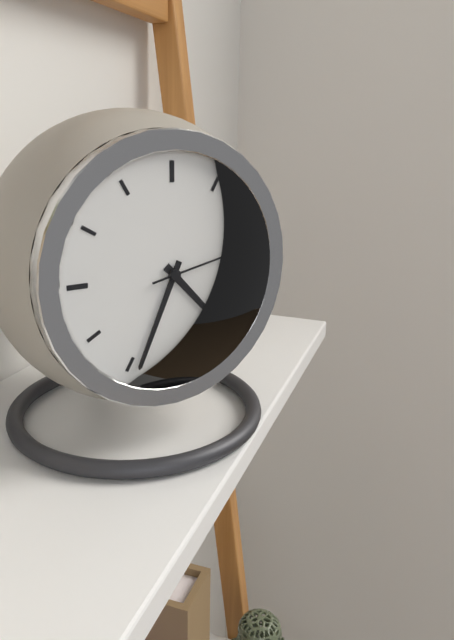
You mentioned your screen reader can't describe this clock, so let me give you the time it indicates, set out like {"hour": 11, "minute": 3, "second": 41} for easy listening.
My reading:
{"hour": 4, "minute": 34, "second": 13}
